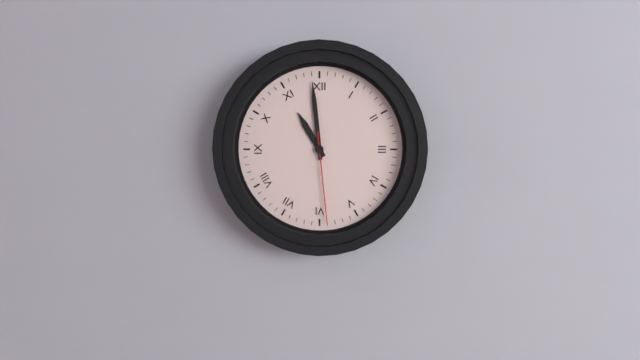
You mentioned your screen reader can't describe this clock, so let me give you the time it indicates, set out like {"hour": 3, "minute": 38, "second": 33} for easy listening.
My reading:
{"hour": 10, "minute": 59, "second": 29}
